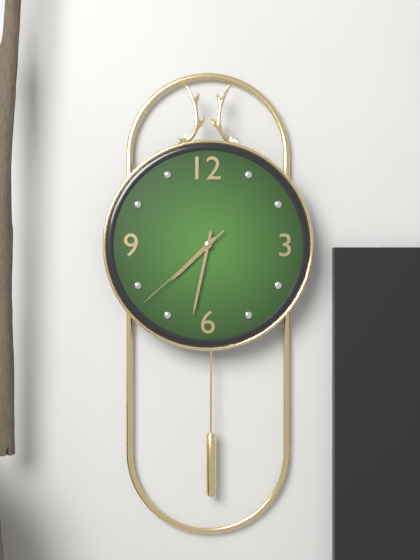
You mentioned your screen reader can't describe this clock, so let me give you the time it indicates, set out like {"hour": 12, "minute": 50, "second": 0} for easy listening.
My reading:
{"hour": 7, "minute": 32, "second": 38}
